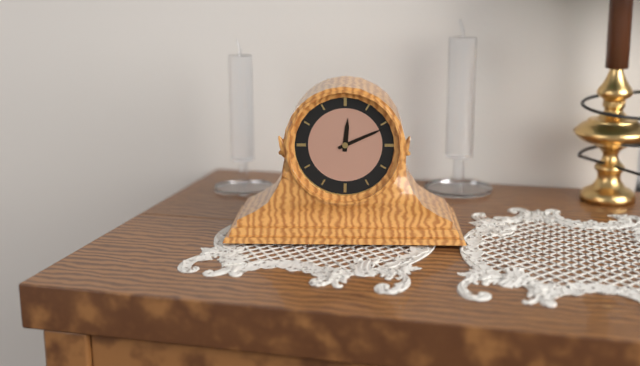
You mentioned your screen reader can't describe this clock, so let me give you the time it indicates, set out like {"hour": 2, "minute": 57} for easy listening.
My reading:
{"hour": 12, "minute": 11}
